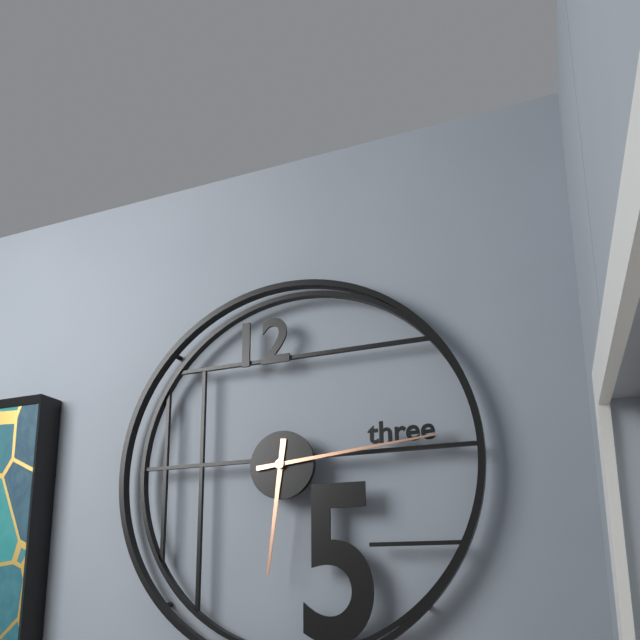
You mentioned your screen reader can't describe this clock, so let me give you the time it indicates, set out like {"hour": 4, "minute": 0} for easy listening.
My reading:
{"hour": 6, "minute": 14}
